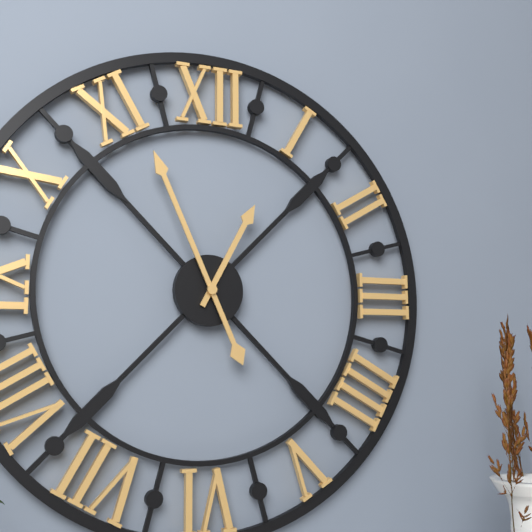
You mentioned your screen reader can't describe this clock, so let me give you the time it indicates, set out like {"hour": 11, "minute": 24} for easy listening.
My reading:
{"hour": 12, "minute": 56}
